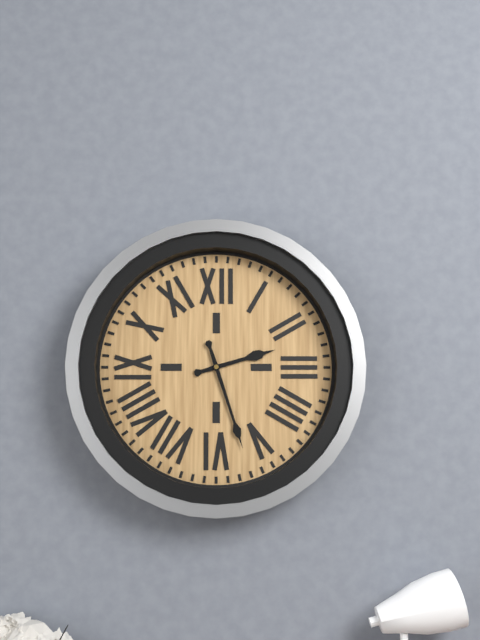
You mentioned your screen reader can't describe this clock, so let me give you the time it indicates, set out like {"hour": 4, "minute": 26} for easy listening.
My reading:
{"hour": 2, "minute": 27}
